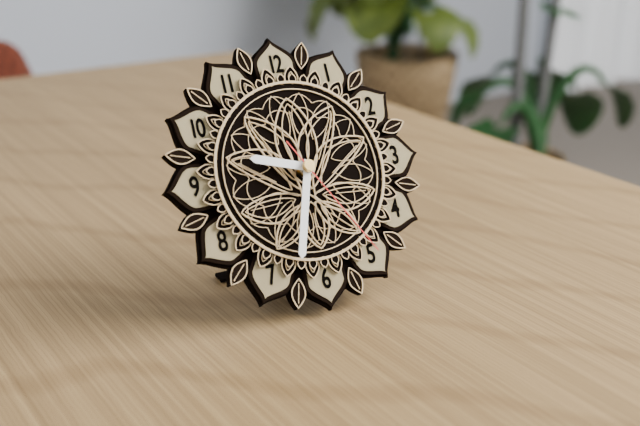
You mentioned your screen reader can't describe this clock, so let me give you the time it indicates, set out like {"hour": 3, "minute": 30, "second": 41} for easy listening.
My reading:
{"hour": 9, "minute": 33, "second": 25}
